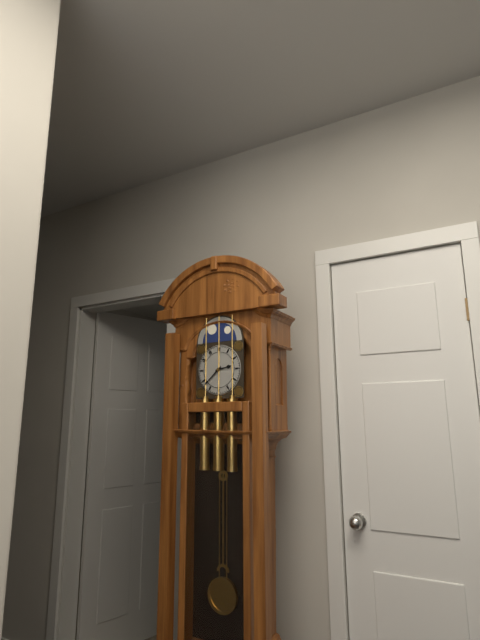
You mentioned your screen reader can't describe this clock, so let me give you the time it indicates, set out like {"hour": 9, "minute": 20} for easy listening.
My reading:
{"hour": 2, "minute": 38}
